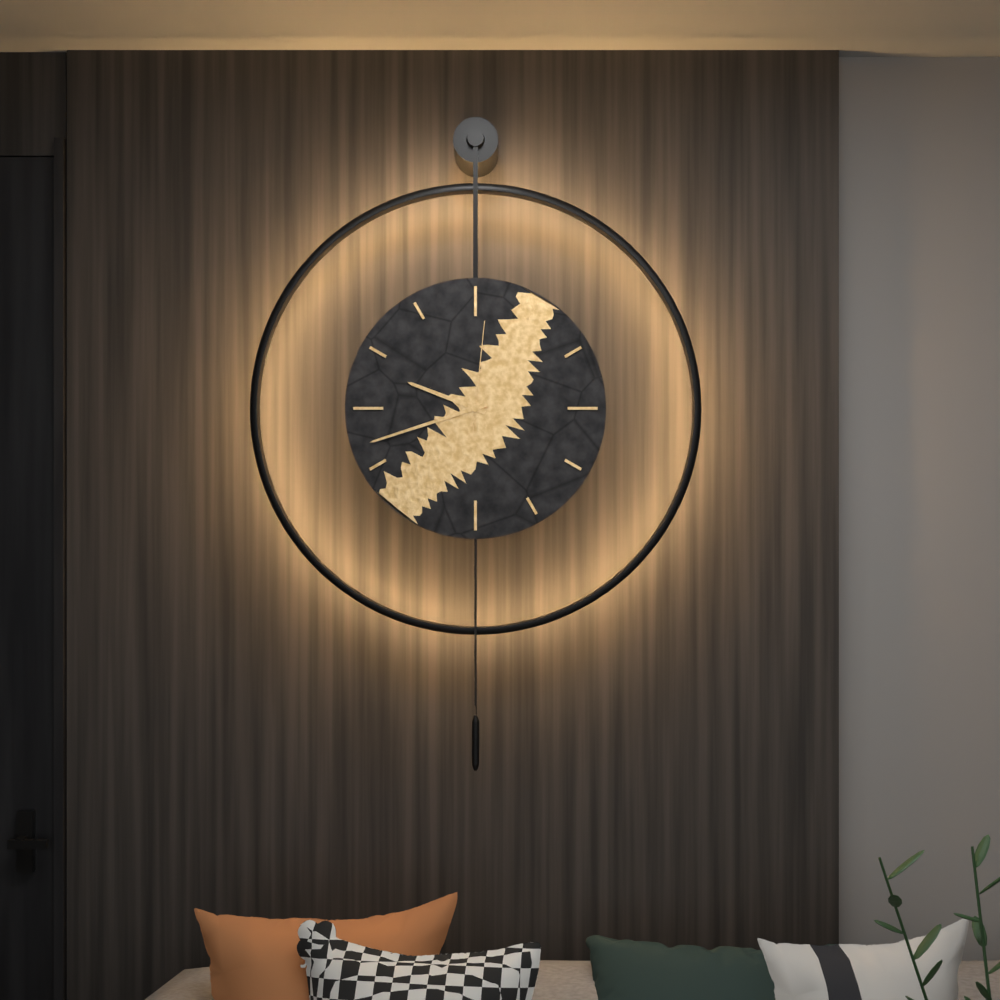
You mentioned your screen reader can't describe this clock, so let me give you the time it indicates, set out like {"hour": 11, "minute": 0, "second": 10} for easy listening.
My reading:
{"hour": 9, "minute": 42, "second": 1}
